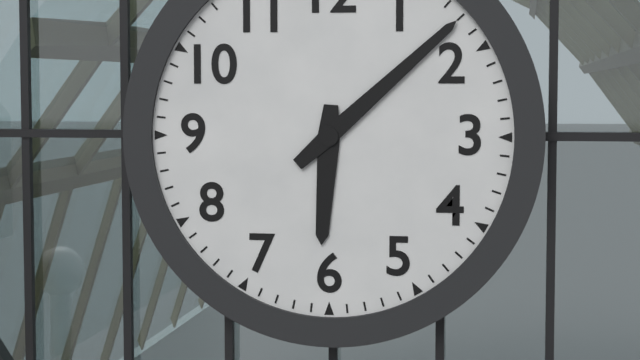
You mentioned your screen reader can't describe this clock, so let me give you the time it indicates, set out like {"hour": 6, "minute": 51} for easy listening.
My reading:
{"hour": 6, "minute": 8}
